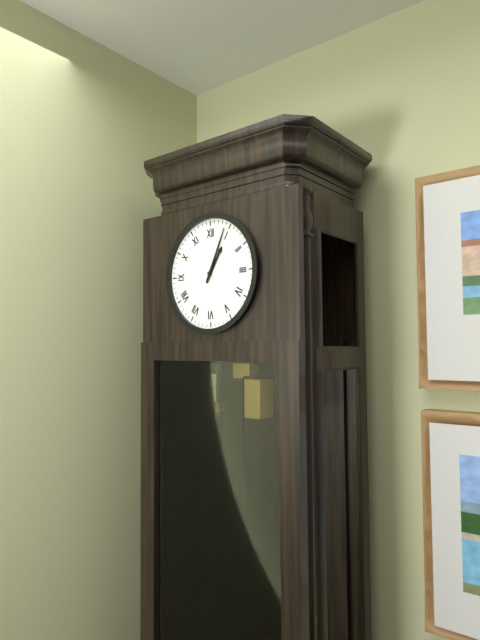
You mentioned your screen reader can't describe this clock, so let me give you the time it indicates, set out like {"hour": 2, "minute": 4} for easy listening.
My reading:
{"hour": 1, "minute": 4}
